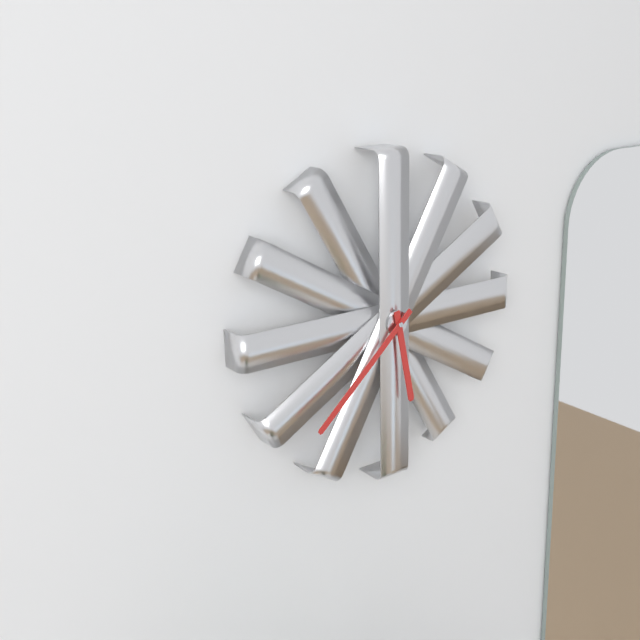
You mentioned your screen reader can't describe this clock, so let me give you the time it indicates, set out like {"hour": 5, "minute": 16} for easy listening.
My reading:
{"hour": 5, "minute": 38}
